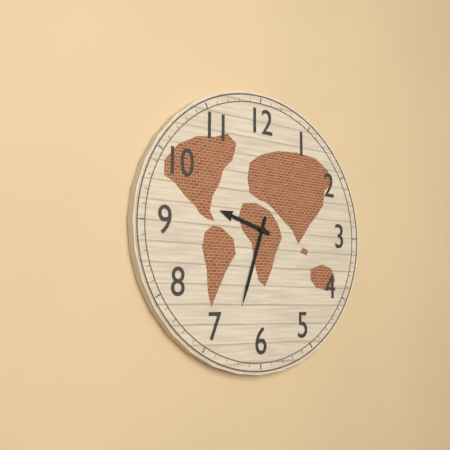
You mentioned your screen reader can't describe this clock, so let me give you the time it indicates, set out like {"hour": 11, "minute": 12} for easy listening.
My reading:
{"hour": 9, "minute": 33}
